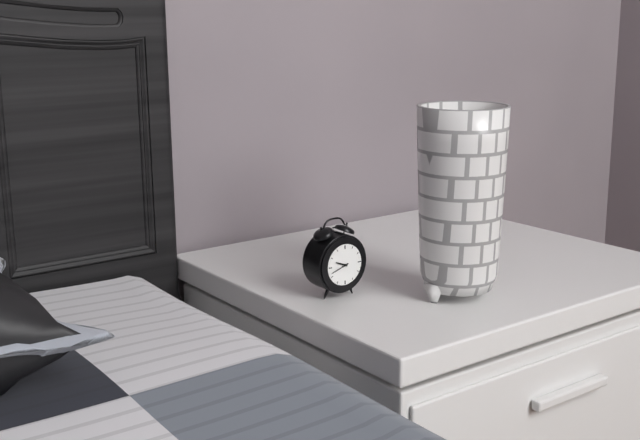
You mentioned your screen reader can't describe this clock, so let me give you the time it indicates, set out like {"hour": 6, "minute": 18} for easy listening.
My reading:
{"hour": 9, "minute": 42}
